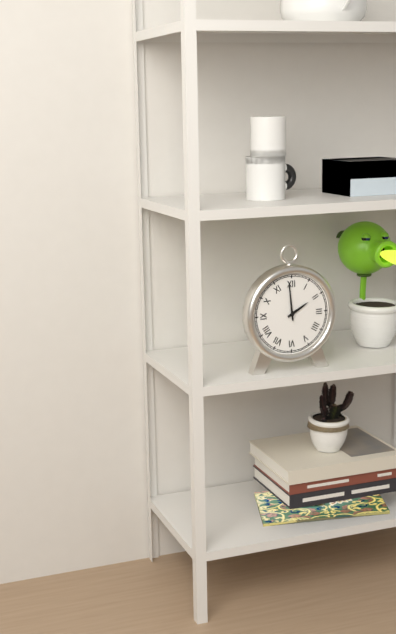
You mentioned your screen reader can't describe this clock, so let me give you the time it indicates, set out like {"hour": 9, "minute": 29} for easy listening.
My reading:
{"hour": 1, "minute": 59}
